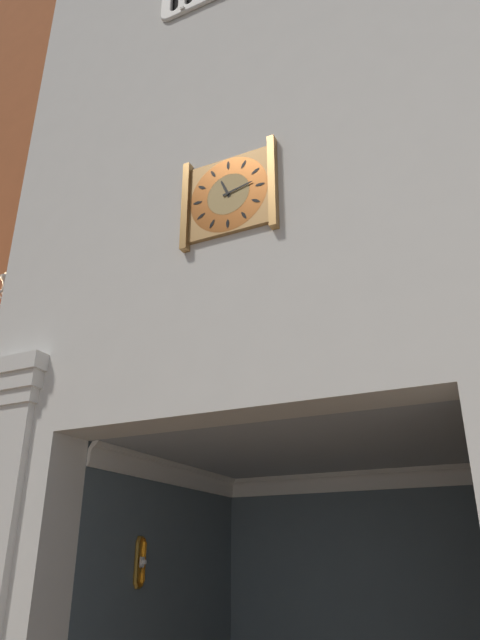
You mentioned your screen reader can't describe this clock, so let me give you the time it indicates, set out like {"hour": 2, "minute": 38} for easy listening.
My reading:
{"hour": 11, "minute": 13}
